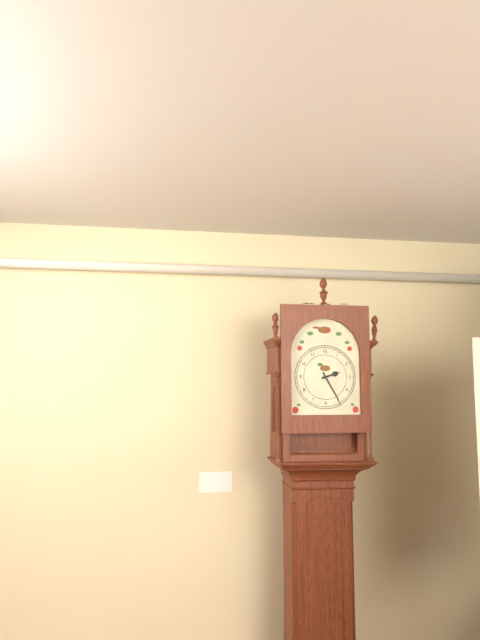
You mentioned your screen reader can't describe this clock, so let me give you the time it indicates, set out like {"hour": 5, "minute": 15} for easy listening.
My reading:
{"hour": 2, "minute": 25}
